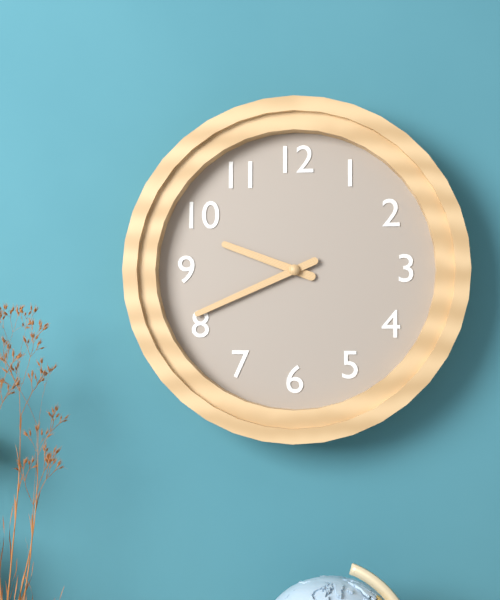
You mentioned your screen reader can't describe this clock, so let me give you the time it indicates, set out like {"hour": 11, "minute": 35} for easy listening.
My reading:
{"hour": 9, "minute": 41}
